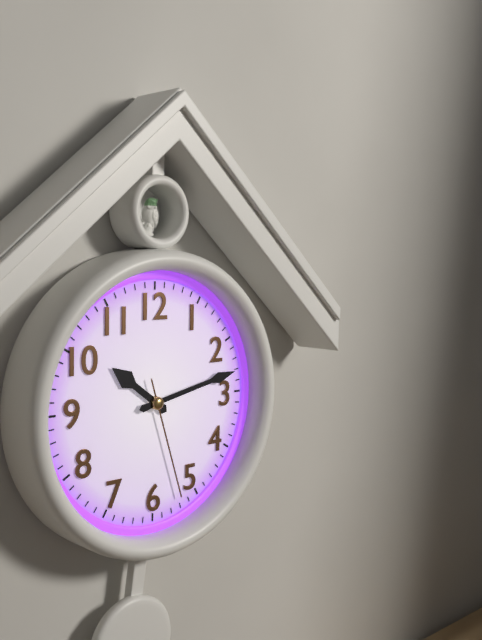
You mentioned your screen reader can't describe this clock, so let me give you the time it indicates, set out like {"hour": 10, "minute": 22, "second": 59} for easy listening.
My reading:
{"hour": 10, "minute": 13, "second": 27}
